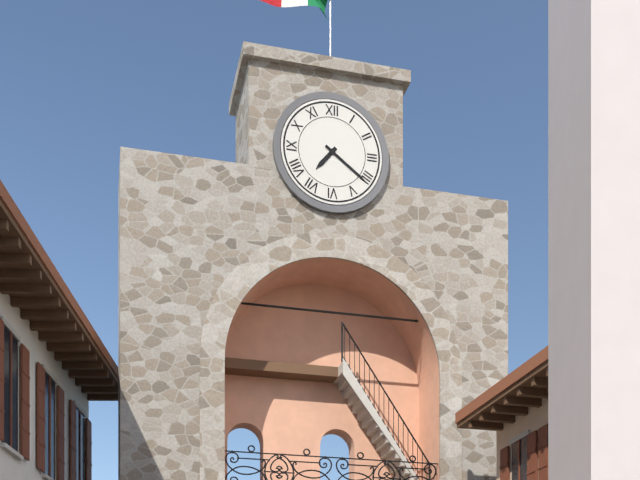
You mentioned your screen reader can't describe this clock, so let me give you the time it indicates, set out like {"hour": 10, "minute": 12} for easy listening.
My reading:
{"hour": 7, "minute": 21}
